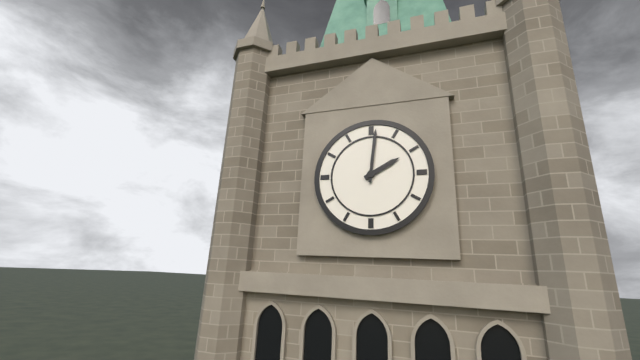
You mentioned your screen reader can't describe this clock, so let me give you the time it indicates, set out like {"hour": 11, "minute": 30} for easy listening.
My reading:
{"hour": 2, "minute": 1}
